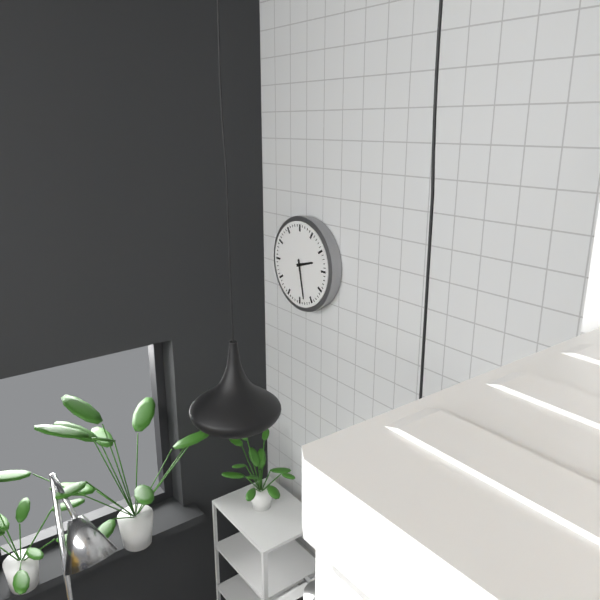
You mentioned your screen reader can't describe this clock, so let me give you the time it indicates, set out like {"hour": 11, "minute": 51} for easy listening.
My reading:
{"hour": 2, "minute": 28}
